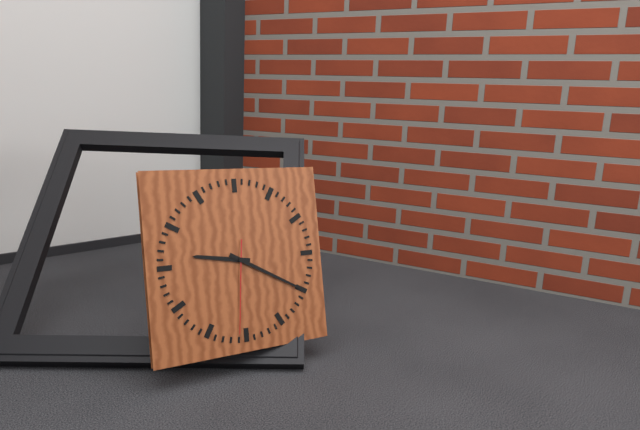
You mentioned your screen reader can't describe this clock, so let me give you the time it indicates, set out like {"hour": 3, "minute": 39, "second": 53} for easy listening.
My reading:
{"hour": 9, "minute": 20, "second": 31}
